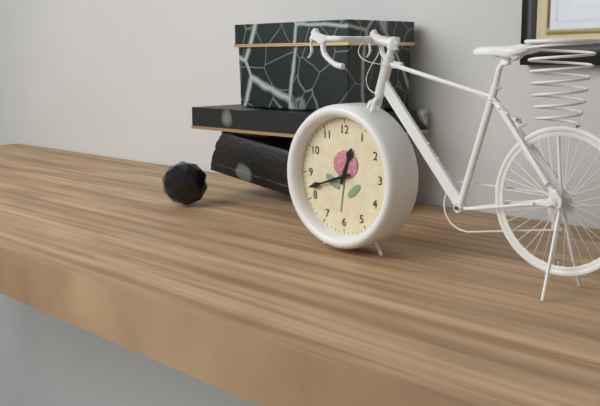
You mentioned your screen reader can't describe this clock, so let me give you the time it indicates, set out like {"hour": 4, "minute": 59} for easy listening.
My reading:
{"hour": 12, "minute": 42}
